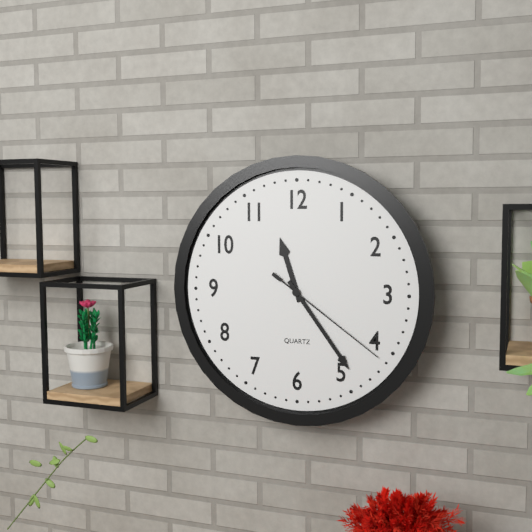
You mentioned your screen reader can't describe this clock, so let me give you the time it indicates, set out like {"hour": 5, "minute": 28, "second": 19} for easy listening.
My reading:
{"hour": 11, "minute": 24, "second": 21}
